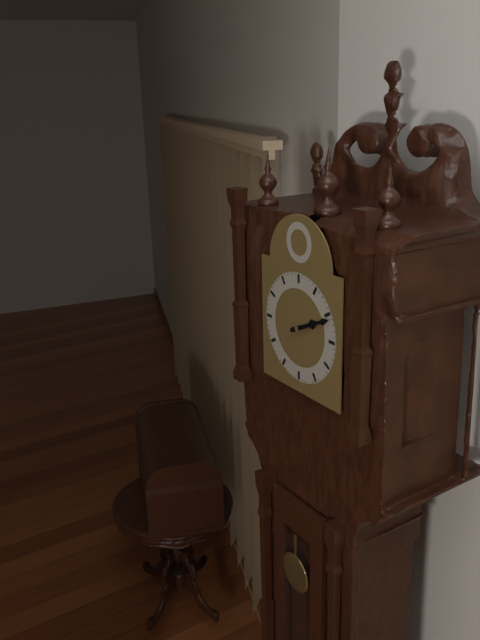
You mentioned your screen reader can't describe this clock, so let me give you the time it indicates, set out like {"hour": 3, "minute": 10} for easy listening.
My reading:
{"hour": 2, "minute": 11}
